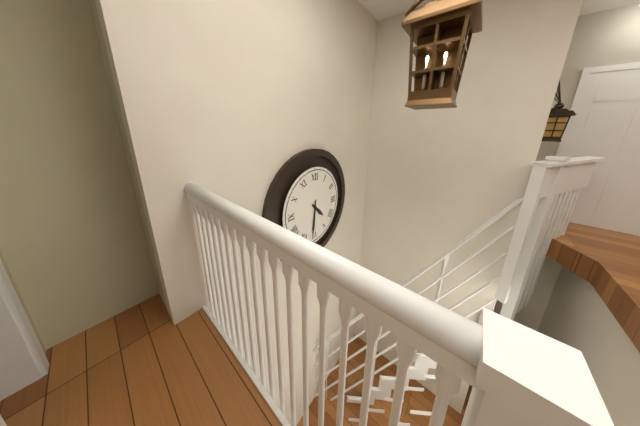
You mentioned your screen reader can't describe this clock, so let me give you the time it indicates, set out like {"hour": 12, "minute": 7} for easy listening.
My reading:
{"hour": 4, "minute": 31}
